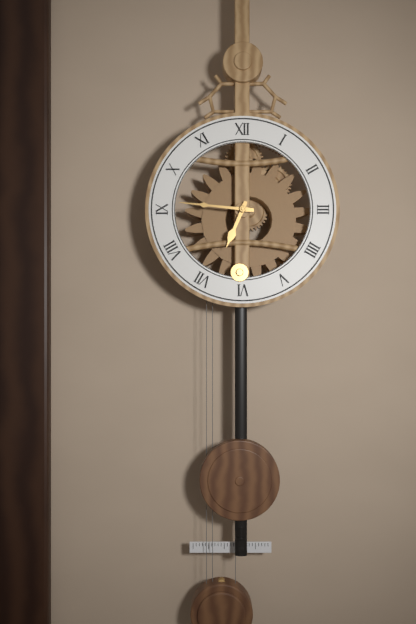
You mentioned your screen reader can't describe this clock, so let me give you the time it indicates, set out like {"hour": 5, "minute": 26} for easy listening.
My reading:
{"hour": 6, "minute": 46}
